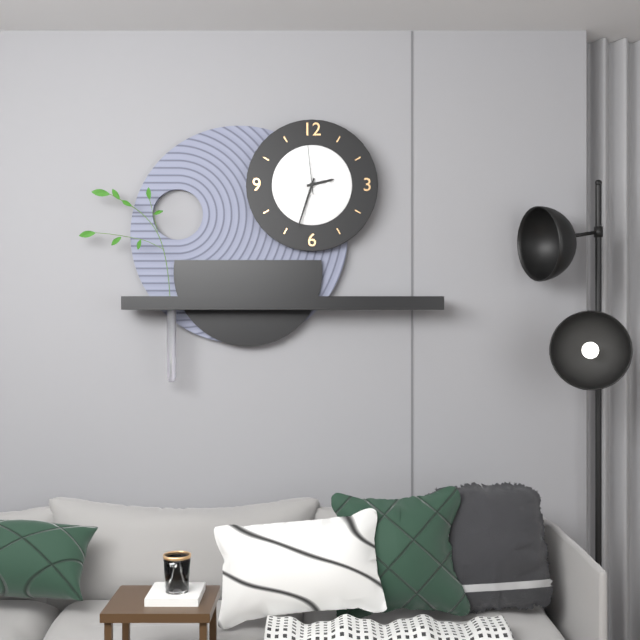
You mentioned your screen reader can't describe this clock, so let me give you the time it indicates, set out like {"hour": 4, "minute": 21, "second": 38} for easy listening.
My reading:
{"hour": 2, "minute": 33, "second": 59}
